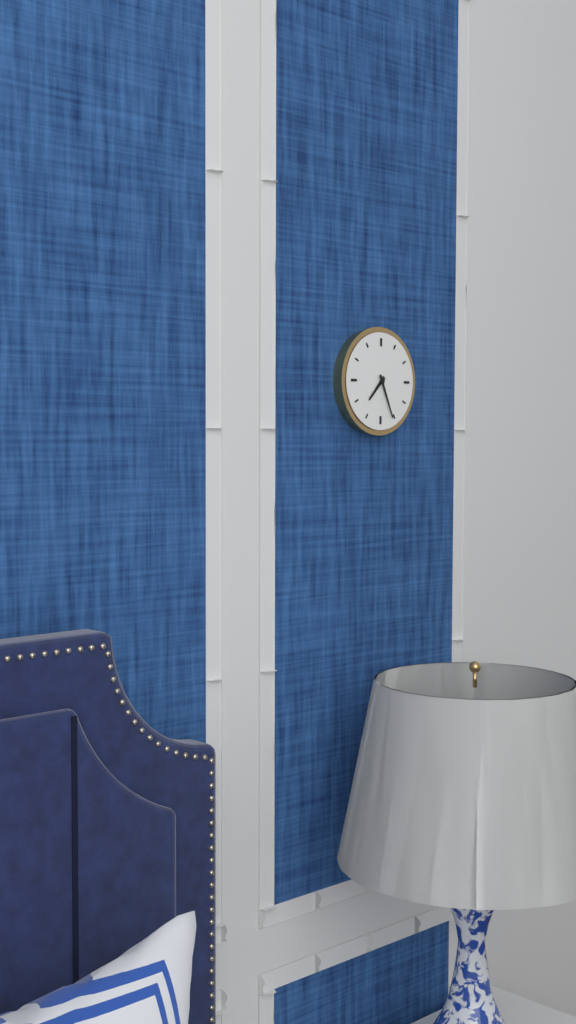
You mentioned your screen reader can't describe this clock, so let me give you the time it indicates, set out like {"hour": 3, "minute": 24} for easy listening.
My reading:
{"hour": 7, "minute": 26}
